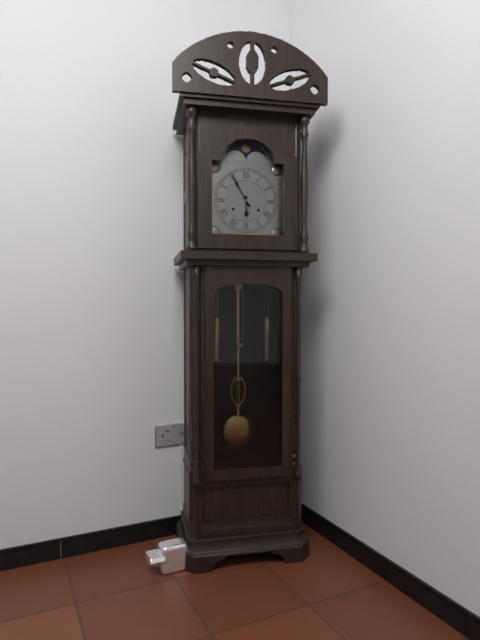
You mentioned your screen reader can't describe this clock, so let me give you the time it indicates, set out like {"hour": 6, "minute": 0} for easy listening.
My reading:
{"hour": 5, "minute": 55}
